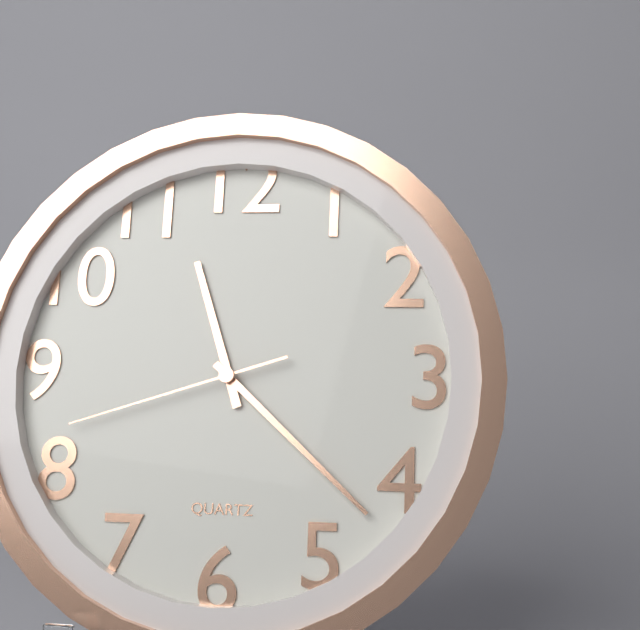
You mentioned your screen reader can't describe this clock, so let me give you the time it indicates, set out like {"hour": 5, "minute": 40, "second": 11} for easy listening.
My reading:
{"hour": 11, "minute": 22, "second": 42}
